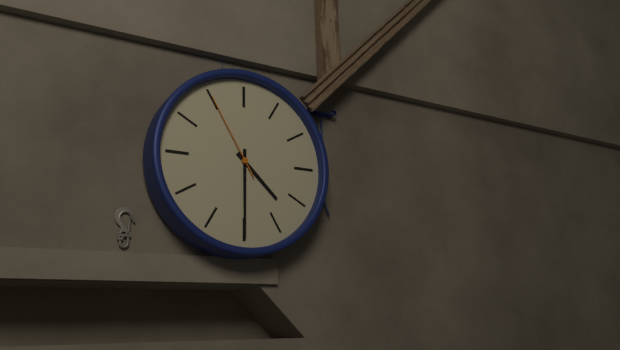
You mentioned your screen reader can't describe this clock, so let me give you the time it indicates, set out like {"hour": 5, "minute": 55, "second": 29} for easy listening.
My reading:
{"hour": 4, "minute": 30, "second": 55}
